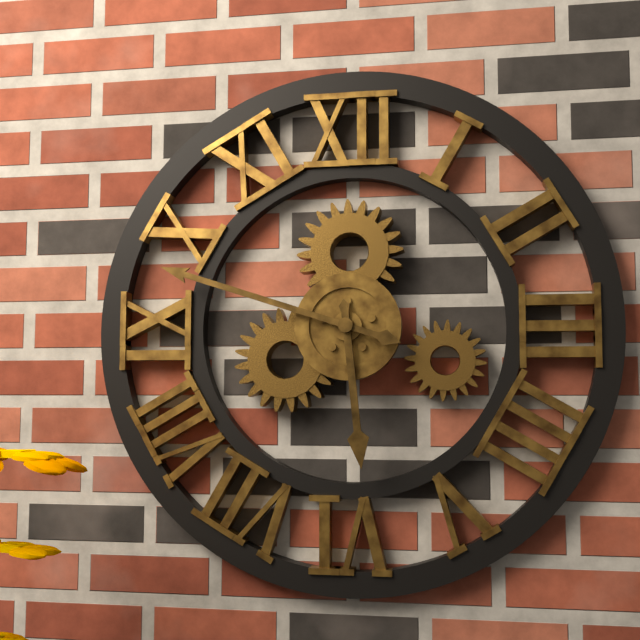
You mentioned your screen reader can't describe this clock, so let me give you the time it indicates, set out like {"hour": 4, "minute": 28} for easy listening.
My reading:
{"hour": 5, "minute": 48}
